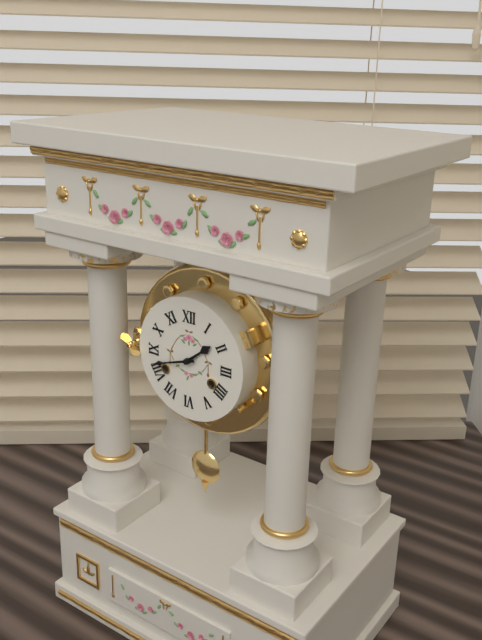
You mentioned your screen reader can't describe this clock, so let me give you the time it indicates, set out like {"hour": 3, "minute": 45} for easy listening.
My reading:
{"hour": 1, "minute": 42}
